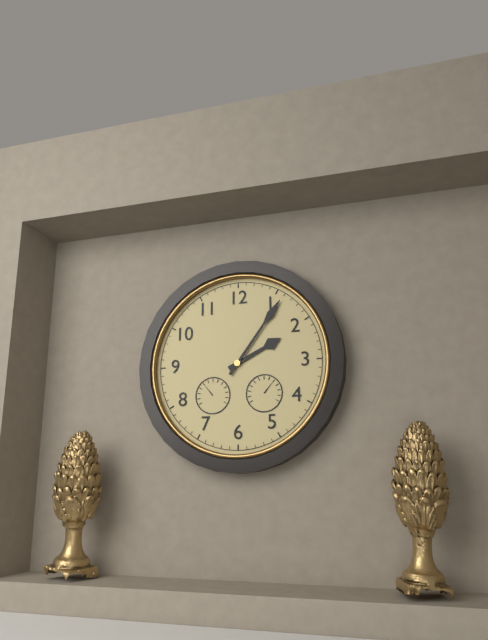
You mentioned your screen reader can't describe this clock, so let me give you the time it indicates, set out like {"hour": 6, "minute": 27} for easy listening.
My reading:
{"hour": 2, "minute": 6}
